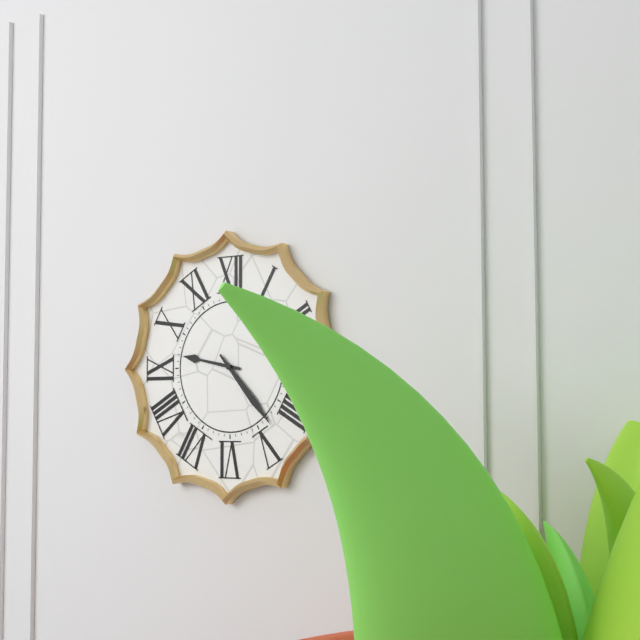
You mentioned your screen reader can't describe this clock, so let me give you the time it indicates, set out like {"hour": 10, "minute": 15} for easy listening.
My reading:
{"hour": 9, "minute": 23}
